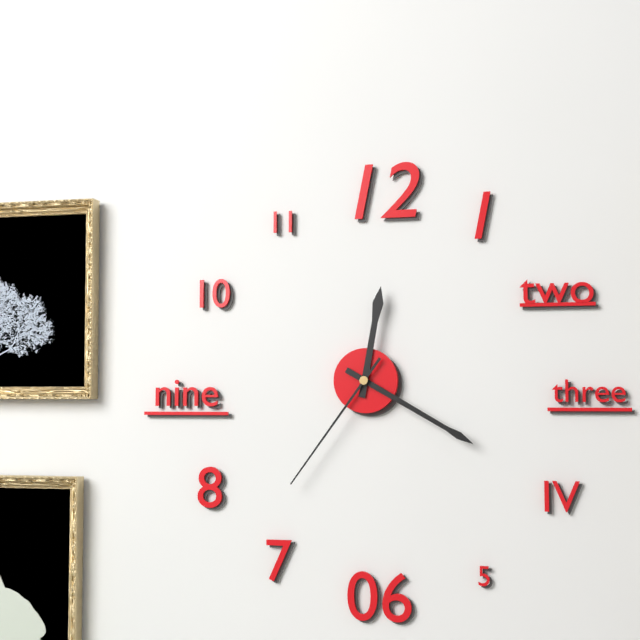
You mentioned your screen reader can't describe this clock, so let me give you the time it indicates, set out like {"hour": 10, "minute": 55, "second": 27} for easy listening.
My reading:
{"hour": 12, "minute": 20, "second": 36}
